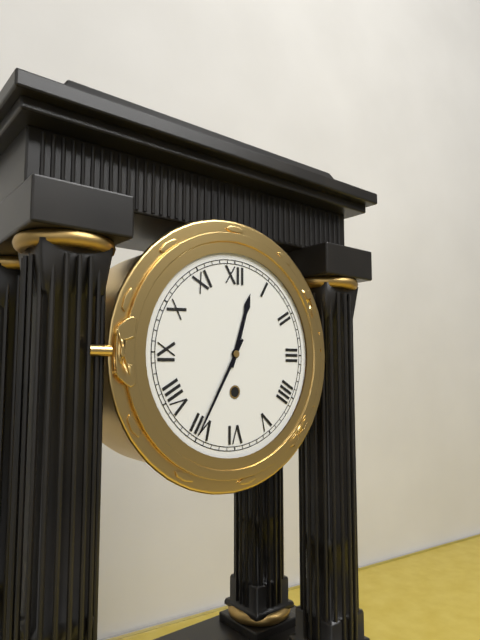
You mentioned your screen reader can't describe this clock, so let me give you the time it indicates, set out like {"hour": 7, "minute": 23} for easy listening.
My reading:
{"hour": 12, "minute": 35}
